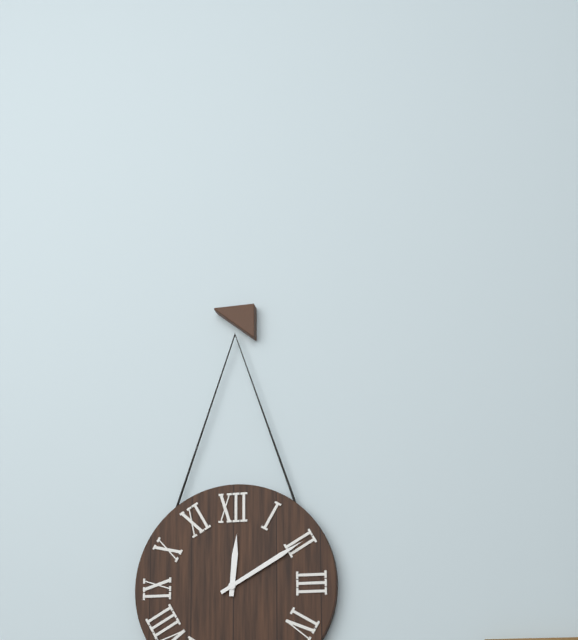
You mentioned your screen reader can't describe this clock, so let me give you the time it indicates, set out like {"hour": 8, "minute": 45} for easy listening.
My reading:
{"hour": 12, "minute": 10}
